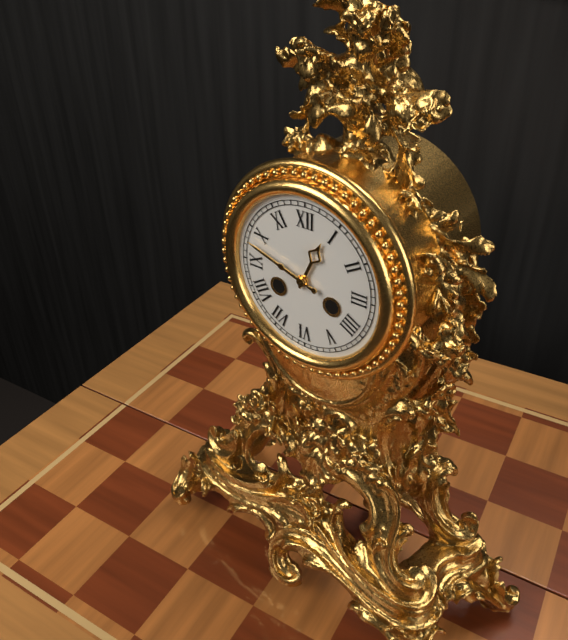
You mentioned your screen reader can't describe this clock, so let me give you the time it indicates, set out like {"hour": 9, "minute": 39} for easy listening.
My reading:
{"hour": 12, "minute": 48}
